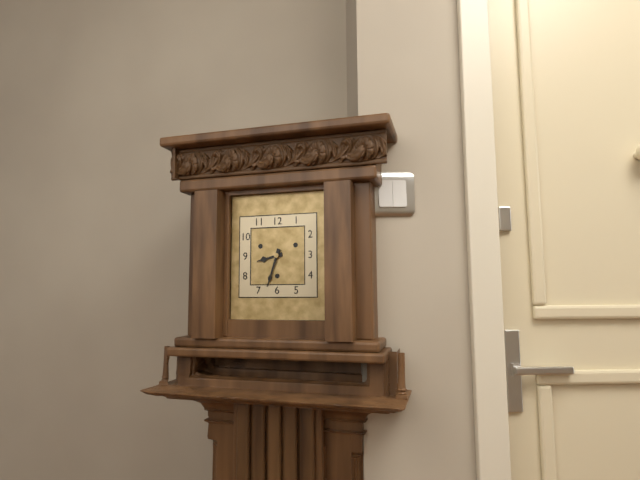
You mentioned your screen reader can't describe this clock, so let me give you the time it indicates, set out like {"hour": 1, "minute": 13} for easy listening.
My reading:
{"hour": 8, "minute": 33}
